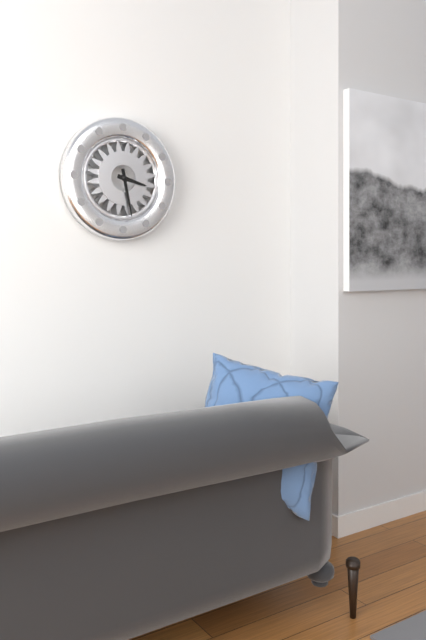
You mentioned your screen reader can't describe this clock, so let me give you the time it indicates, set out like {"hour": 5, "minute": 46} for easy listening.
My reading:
{"hour": 3, "minute": 28}
